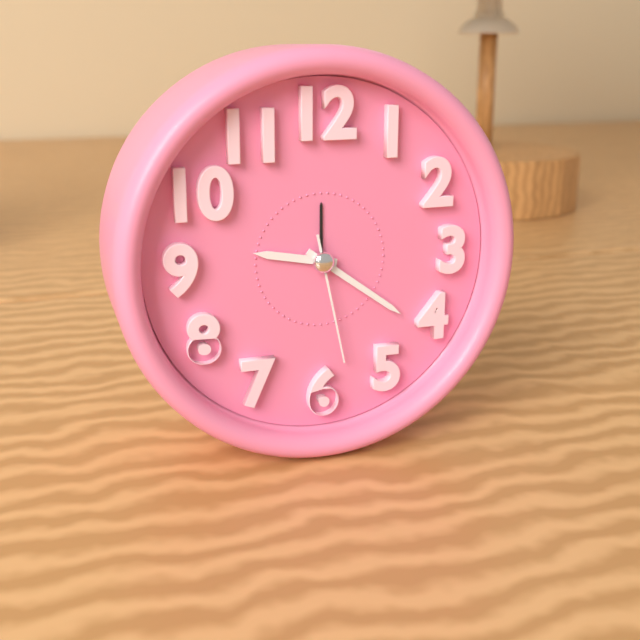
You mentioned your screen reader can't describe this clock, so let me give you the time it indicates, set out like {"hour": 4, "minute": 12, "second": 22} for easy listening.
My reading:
{"hour": 9, "minute": 21, "second": 28}
